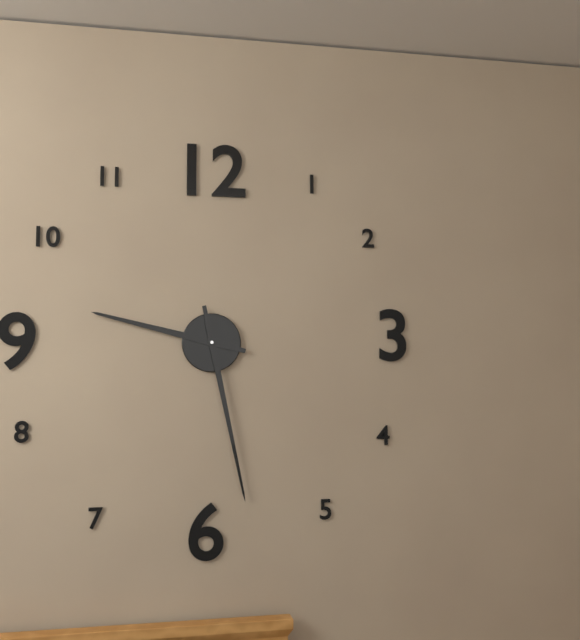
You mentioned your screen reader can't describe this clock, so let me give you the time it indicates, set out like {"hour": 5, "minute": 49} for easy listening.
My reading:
{"hour": 9, "minute": 28}
